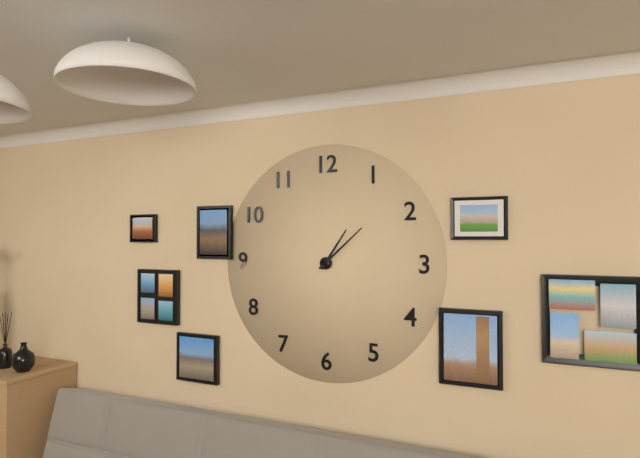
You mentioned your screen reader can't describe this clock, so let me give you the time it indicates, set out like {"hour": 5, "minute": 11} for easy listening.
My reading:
{"hour": 1, "minute": 8}
